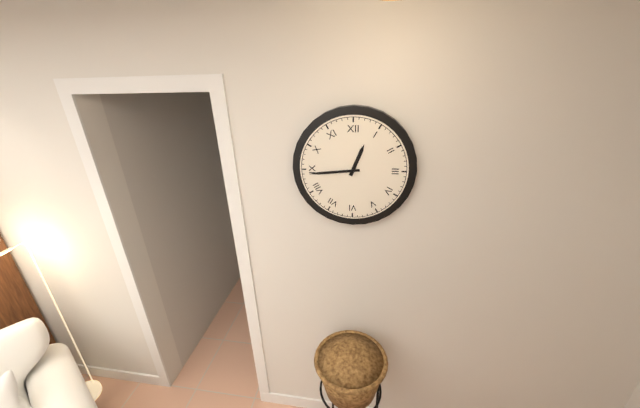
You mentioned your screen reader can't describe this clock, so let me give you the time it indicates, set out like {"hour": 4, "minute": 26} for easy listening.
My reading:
{"hour": 12, "minute": 44}
